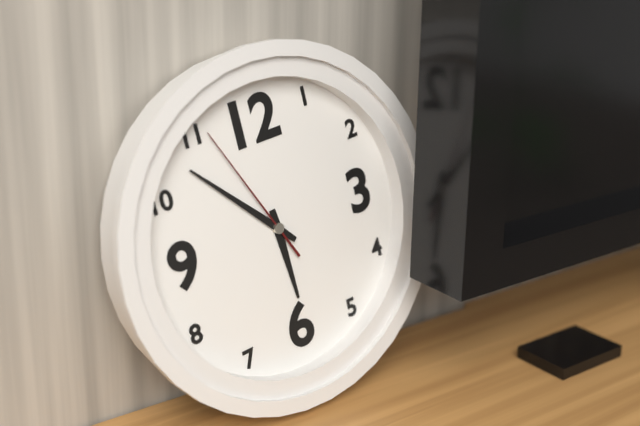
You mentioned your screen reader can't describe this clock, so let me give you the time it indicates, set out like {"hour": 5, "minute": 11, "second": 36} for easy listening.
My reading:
{"hour": 5, "minute": 53, "second": 56}
